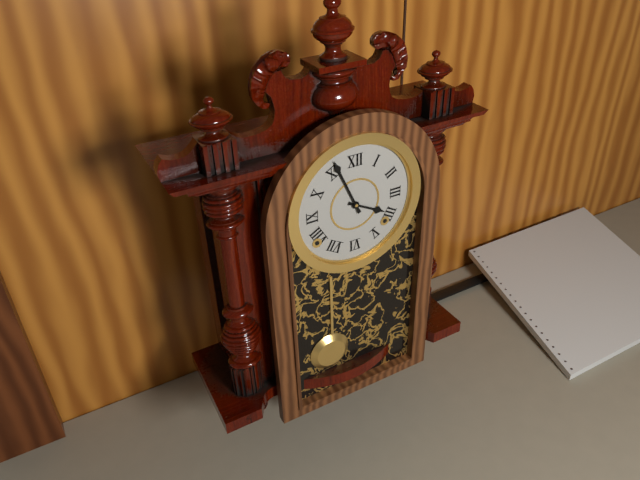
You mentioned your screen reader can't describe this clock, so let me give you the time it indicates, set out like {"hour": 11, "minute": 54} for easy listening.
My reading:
{"hour": 3, "minute": 56}
